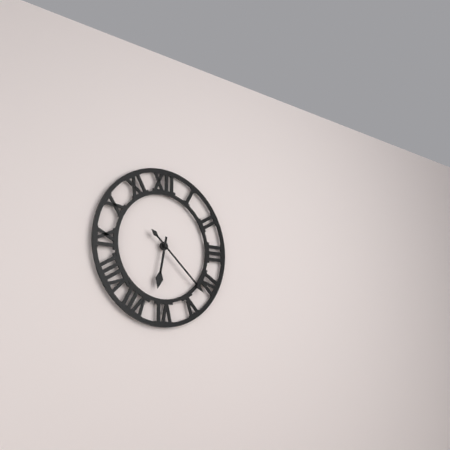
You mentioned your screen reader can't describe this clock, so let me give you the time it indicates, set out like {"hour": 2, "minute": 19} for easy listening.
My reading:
{"hour": 6, "minute": 22}
